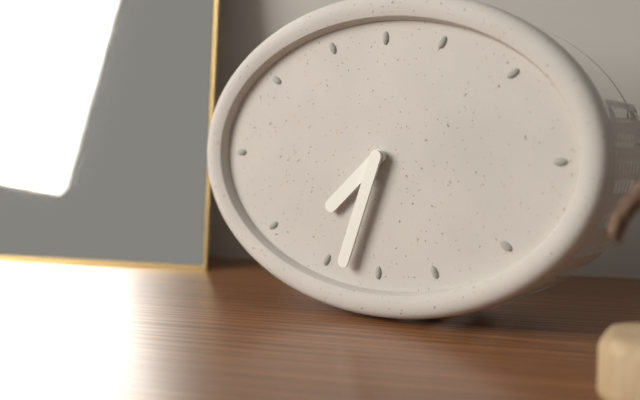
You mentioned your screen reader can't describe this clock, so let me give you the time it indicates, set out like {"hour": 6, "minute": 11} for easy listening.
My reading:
{"hour": 7, "minute": 33}
